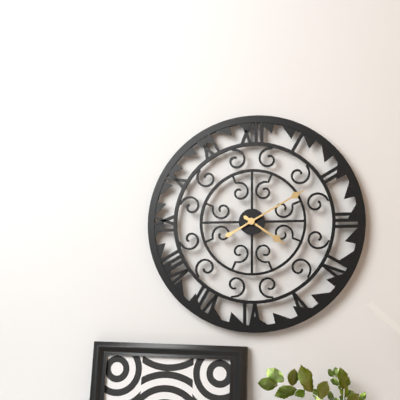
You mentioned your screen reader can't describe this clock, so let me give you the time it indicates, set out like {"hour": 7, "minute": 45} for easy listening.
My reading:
{"hour": 4, "minute": 10}
